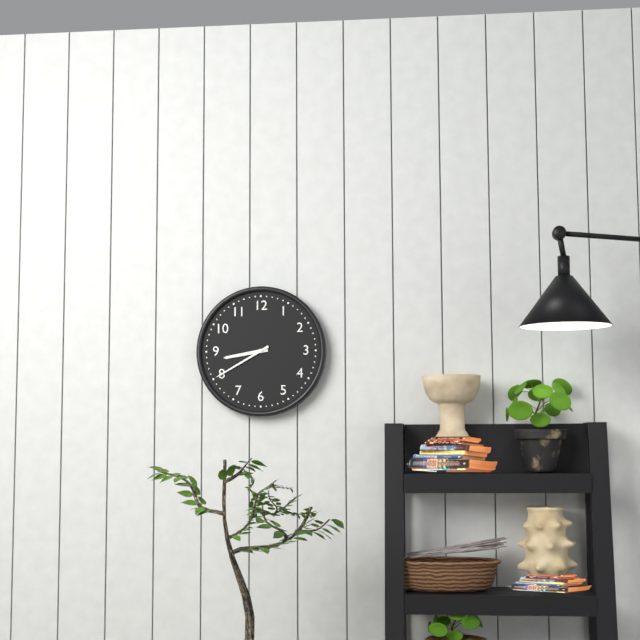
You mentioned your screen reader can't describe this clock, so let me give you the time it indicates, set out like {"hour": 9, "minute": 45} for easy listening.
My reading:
{"hour": 8, "minute": 40}
